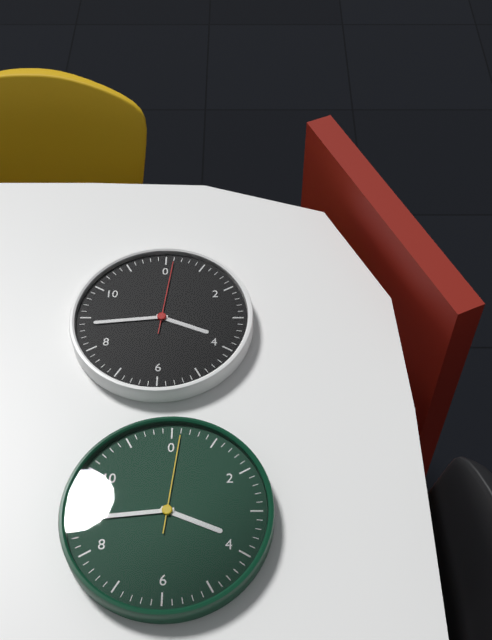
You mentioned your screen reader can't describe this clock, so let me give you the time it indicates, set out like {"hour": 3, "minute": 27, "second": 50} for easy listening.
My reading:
{"hour": 3, "minute": 44, "second": 1}
